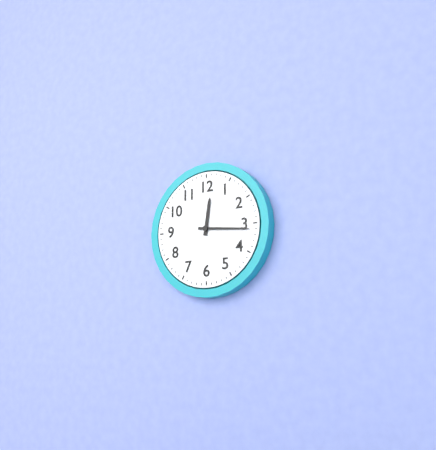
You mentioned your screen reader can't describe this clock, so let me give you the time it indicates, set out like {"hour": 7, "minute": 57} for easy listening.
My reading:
{"hour": 12, "minute": 16}
